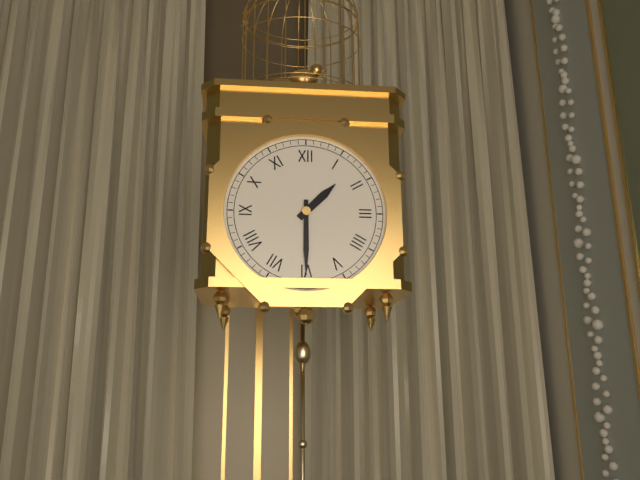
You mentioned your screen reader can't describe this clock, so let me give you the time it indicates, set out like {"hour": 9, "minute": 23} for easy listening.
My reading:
{"hour": 1, "minute": 30}
